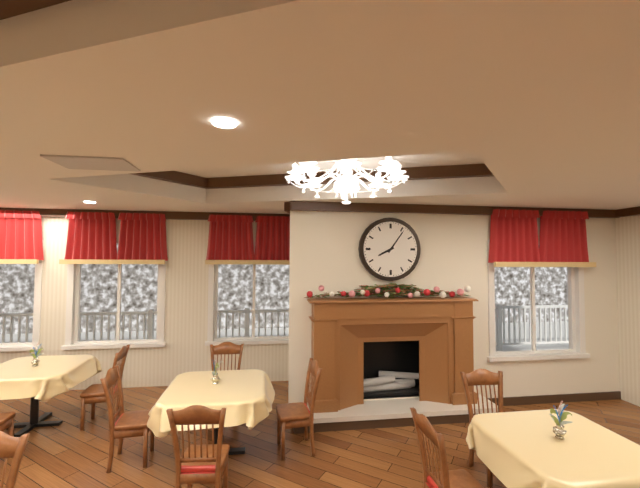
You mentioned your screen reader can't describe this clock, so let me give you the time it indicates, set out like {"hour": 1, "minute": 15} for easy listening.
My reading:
{"hour": 8, "minute": 6}
